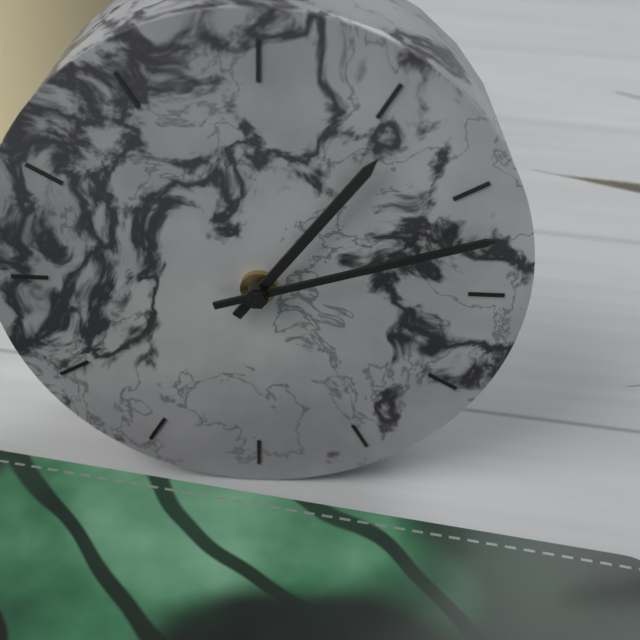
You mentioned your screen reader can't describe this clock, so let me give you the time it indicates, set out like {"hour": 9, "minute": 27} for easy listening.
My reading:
{"hour": 1, "minute": 12}
